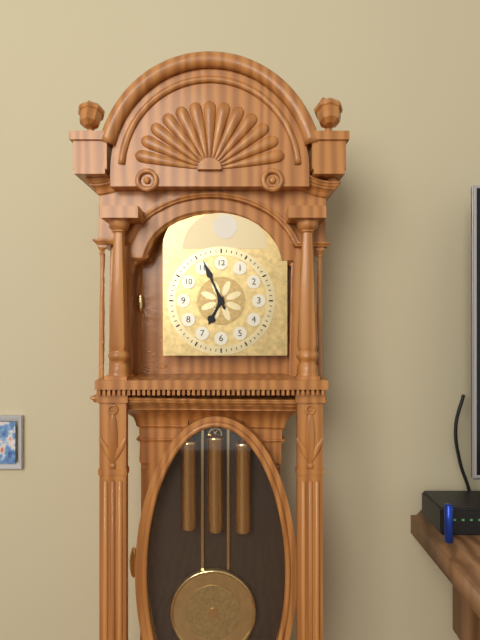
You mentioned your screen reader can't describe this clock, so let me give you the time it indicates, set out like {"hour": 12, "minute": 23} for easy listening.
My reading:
{"hour": 6, "minute": 56}
